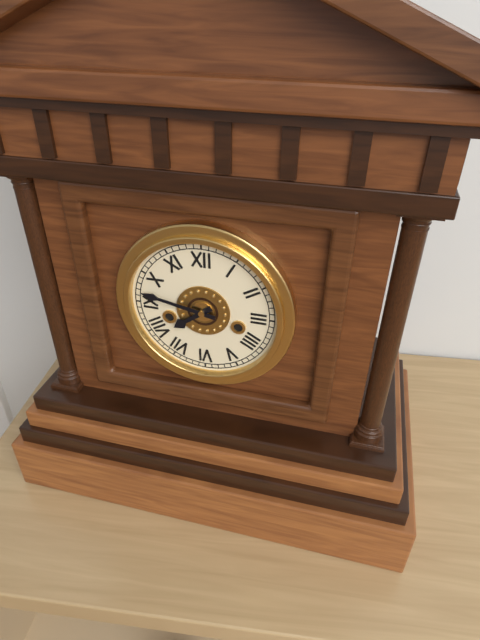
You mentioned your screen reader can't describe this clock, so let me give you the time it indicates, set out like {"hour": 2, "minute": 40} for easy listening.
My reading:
{"hour": 7, "minute": 47}
